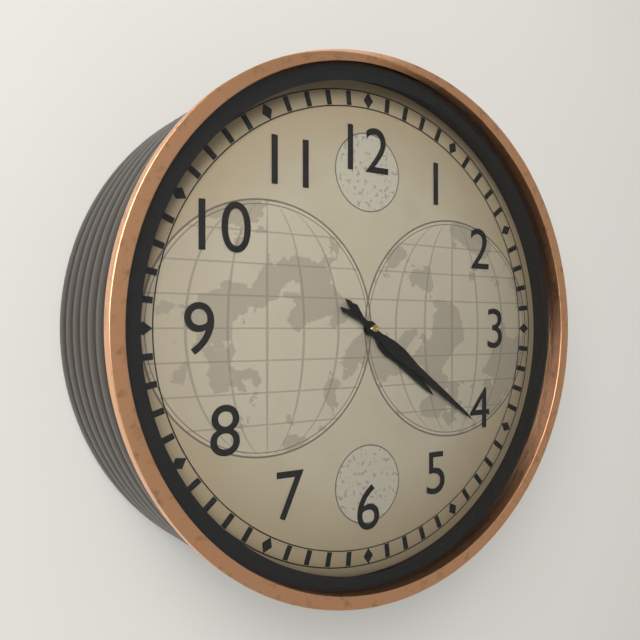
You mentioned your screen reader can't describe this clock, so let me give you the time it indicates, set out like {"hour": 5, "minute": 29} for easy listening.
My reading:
{"hour": 4, "minute": 21}
